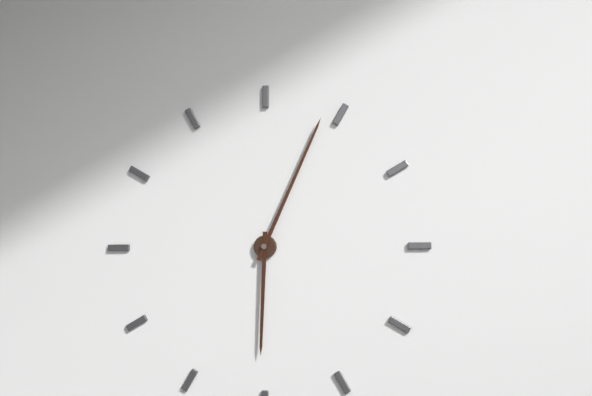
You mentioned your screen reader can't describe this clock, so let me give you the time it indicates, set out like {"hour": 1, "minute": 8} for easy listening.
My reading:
{"hour": 6, "minute": 4}
